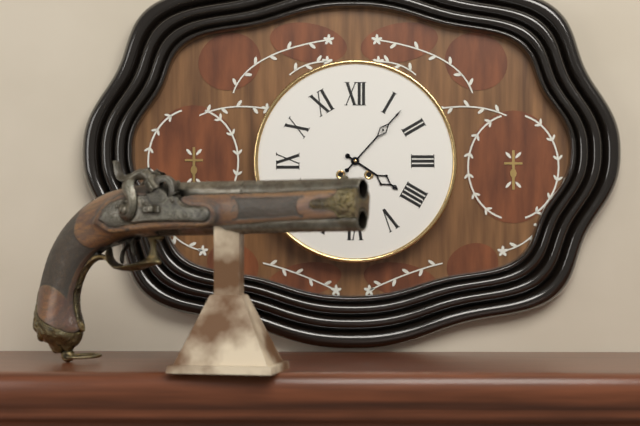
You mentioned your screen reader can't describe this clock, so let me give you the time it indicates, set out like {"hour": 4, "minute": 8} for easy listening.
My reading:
{"hour": 4, "minute": 7}
